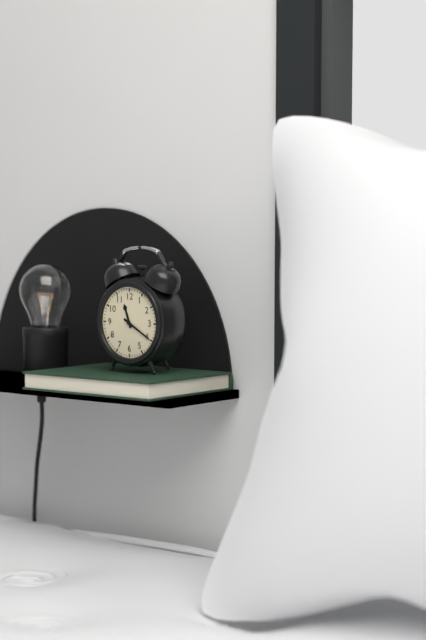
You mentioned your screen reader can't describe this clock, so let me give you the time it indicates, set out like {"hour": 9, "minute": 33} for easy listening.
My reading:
{"hour": 11, "minute": 20}
